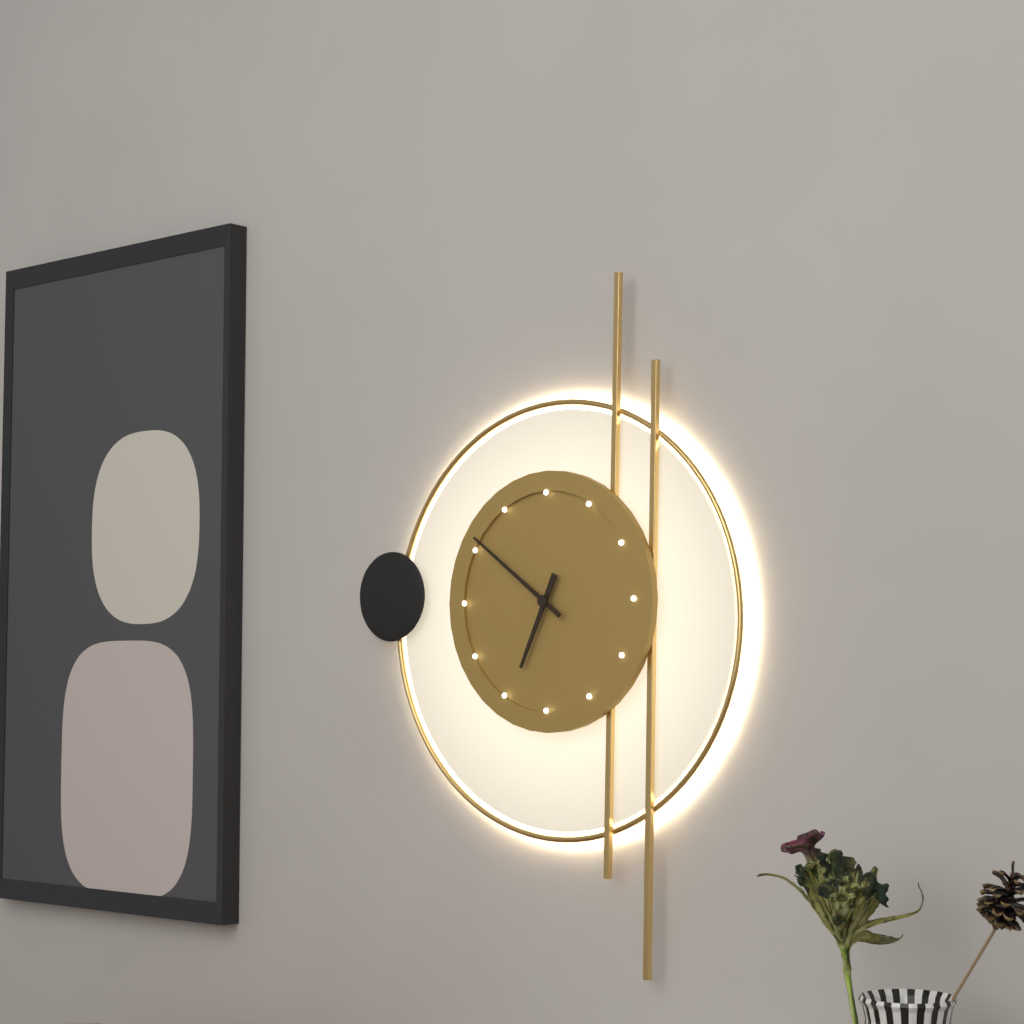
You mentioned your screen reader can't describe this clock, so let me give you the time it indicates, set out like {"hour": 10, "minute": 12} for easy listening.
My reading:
{"hour": 6, "minute": 51}
